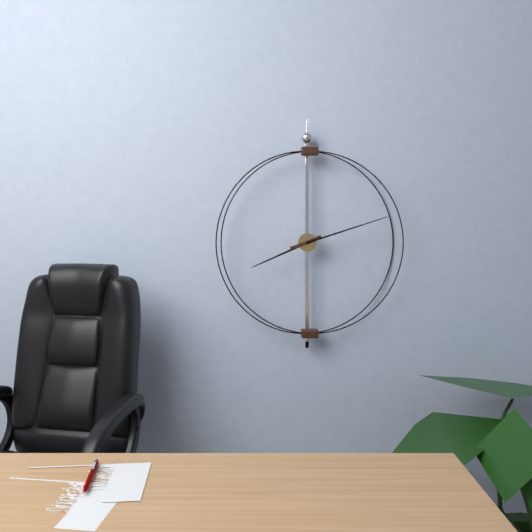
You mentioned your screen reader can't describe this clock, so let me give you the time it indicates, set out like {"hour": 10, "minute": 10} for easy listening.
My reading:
{"hour": 8, "minute": 12}
